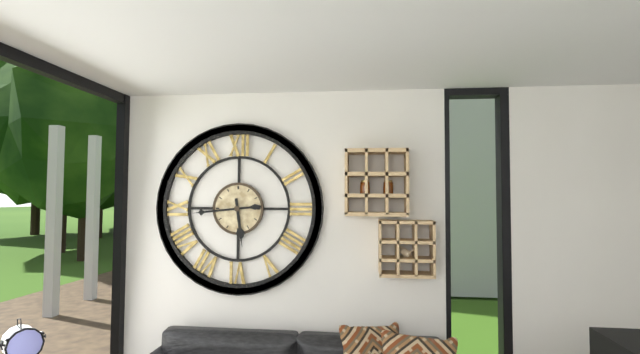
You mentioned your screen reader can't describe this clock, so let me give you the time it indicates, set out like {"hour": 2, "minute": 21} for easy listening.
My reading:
{"hour": 5, "minute": 44}
